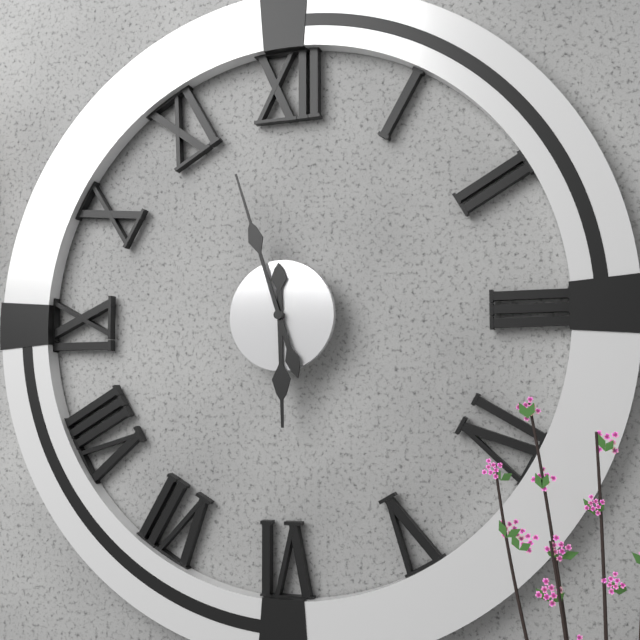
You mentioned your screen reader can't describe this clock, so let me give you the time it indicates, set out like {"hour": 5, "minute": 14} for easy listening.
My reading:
{"hour": 5, "minute": 57}
